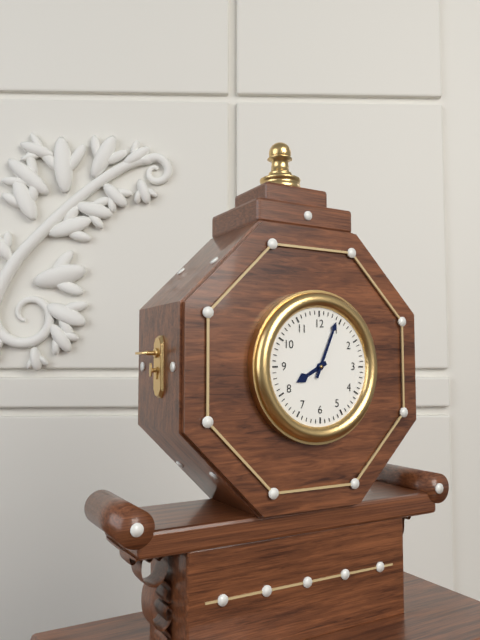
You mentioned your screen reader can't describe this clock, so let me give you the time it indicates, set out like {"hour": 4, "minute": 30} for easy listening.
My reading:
{"hour": 8, "minute": 4}
